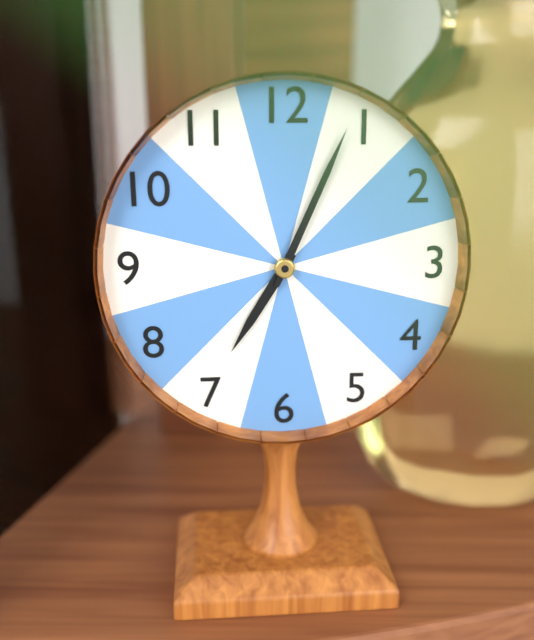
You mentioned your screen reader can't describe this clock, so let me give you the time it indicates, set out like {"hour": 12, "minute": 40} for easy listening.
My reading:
{"hour": 7, "minute": 4}
